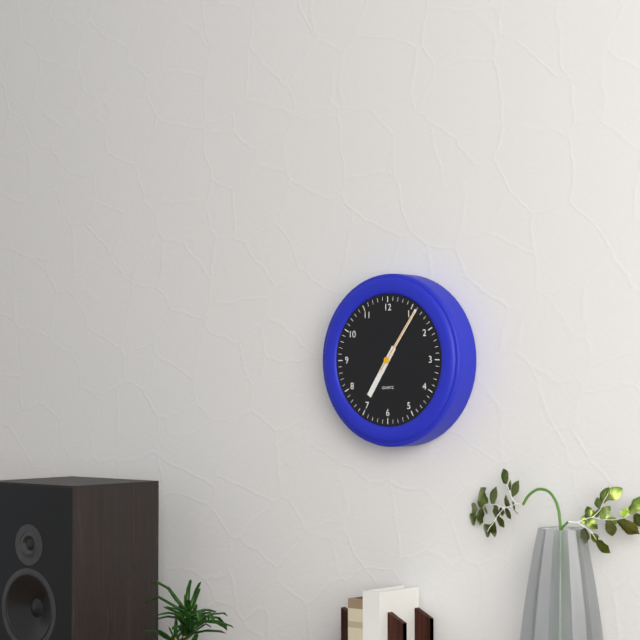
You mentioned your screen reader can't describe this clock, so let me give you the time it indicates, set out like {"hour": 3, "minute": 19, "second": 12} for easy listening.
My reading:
{"hour": 7, "minute": 6, "second": 6}
